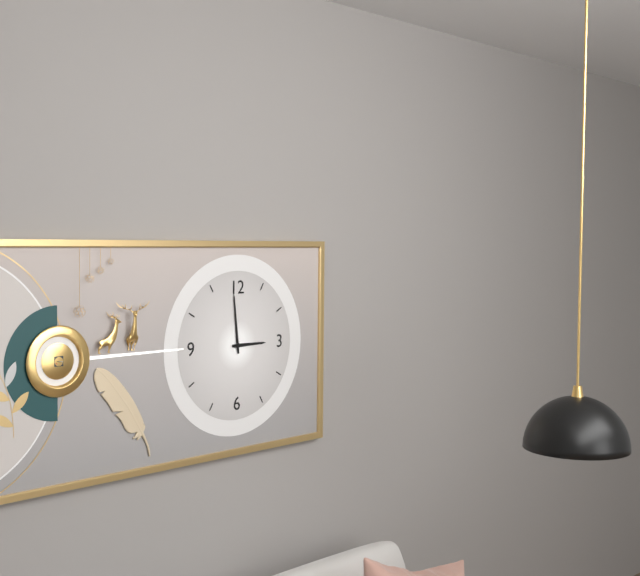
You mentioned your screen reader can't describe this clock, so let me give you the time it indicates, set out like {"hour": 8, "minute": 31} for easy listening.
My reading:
{"hour": 2, "minute": 59}
